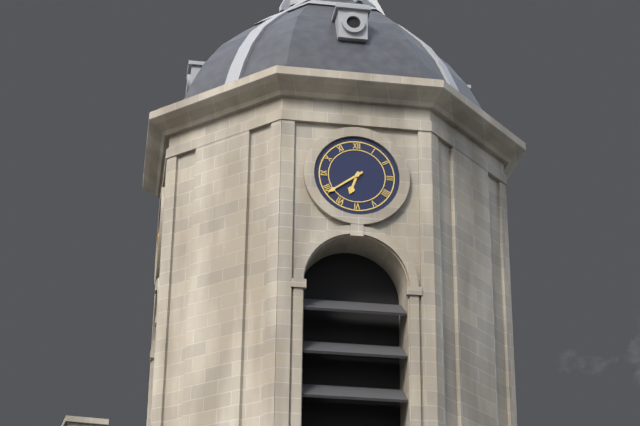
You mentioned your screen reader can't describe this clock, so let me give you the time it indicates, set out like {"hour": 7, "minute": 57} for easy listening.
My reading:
{"hour": 6, "minute": 39}
